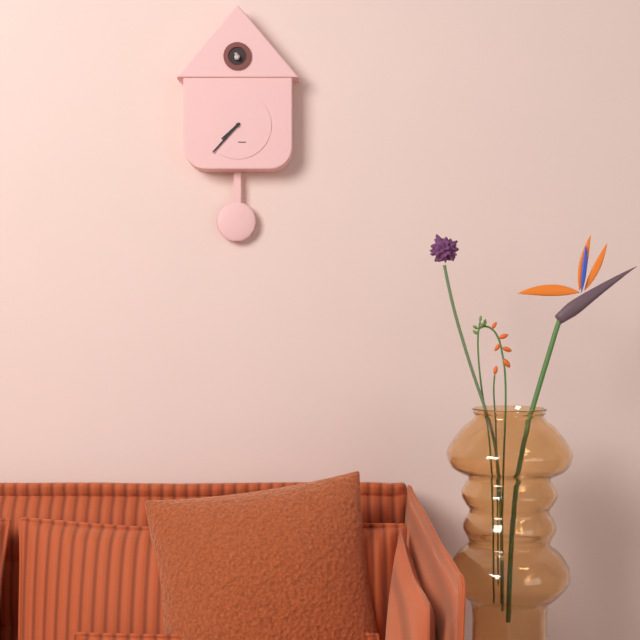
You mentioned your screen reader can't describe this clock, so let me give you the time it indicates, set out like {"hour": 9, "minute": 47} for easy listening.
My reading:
{"hour": 7, "minute": 37}
